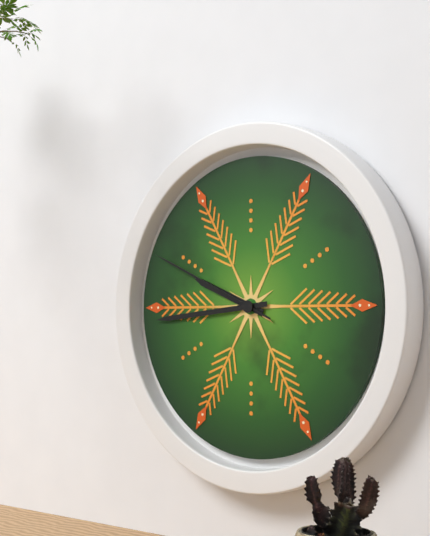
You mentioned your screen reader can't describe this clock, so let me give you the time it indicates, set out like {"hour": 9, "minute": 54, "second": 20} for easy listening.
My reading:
{"hour": 9, "minute": 44, "second": 49}
